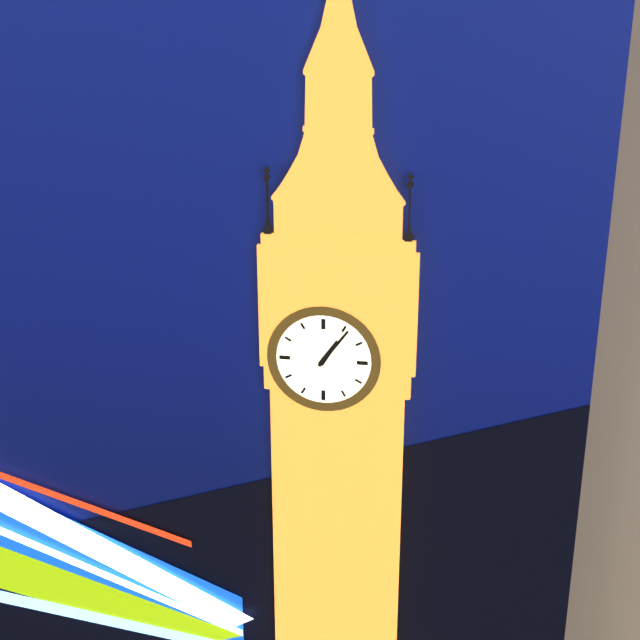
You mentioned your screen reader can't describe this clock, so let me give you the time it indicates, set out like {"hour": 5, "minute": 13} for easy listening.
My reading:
{"hour": 1, "minute": 6}
